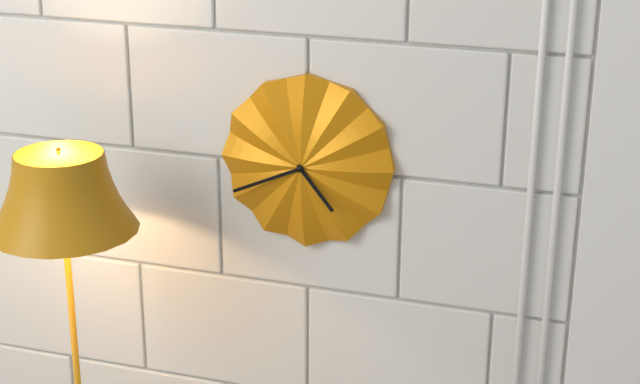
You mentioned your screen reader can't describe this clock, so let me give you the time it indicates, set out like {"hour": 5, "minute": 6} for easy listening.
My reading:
{"hour": 4, "minute": 41}
